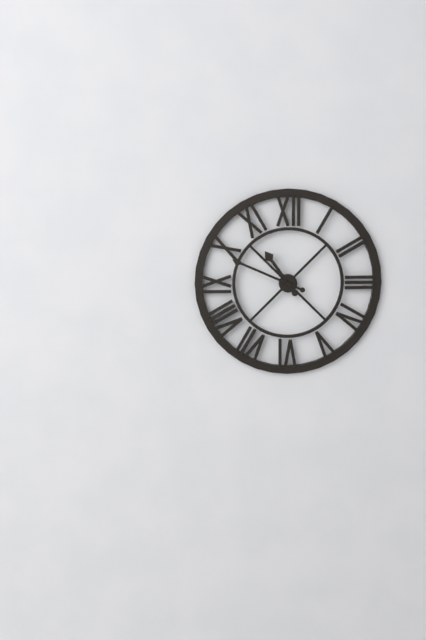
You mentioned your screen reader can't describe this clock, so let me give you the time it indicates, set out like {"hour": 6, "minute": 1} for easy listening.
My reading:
{"hour": 10, "minute": 49}
